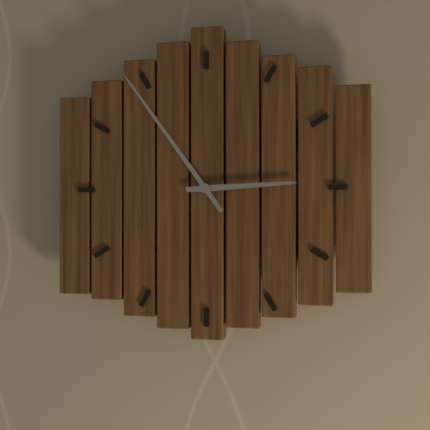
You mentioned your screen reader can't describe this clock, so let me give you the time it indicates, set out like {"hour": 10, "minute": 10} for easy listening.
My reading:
{"hour": 2, "minute": 54}
